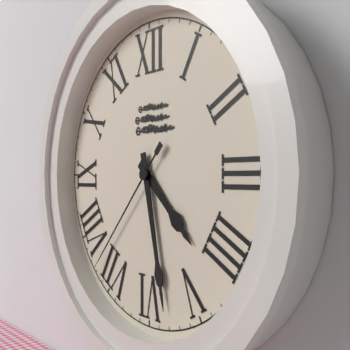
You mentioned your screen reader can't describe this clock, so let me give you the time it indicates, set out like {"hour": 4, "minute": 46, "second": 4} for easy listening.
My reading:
{"hour": 4, "minute": 28, "second": 37}
